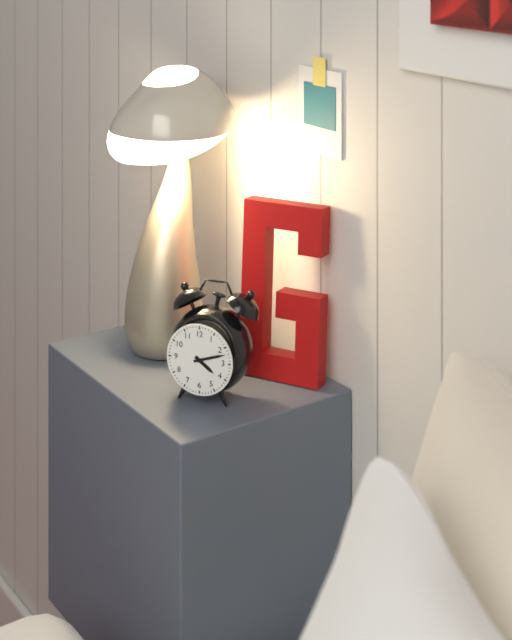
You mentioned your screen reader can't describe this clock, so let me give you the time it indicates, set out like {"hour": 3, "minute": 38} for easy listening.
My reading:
{"hour": 4, "minute": 12}
